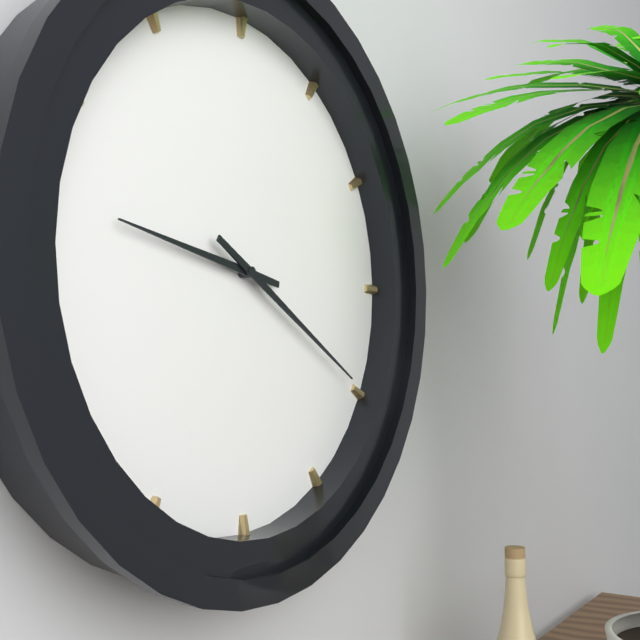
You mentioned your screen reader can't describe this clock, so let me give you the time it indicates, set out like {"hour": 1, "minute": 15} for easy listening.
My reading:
{"hour": 9, "minute": 20}
